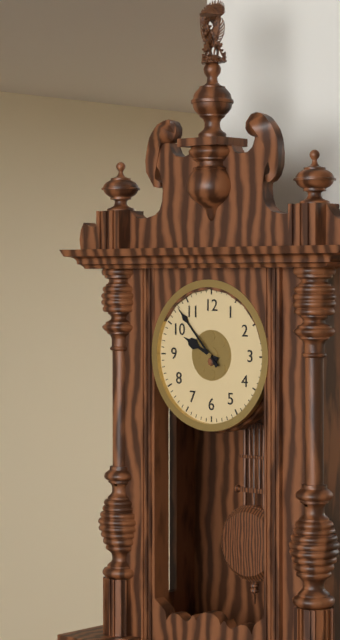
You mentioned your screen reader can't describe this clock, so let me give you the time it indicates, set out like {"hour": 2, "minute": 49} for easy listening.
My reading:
{"hour": 9, "minute": 53}
